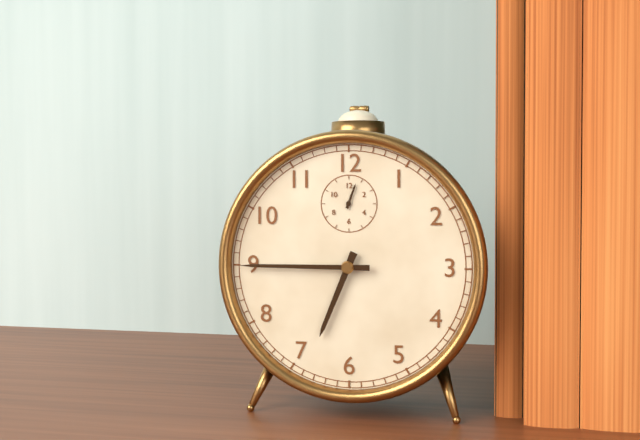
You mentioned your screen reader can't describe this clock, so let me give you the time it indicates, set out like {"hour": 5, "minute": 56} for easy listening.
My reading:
{"hour": 6, "minute": 45}
